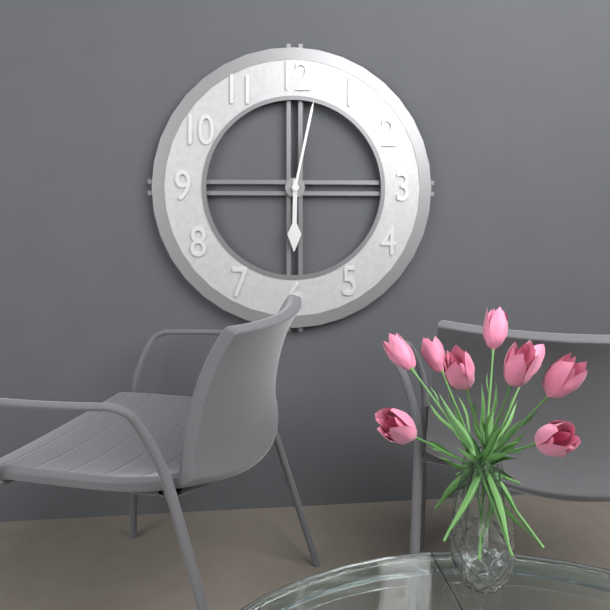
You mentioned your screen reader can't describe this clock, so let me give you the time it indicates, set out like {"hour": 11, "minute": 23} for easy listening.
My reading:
{"hour": 6, "minute": 2}
